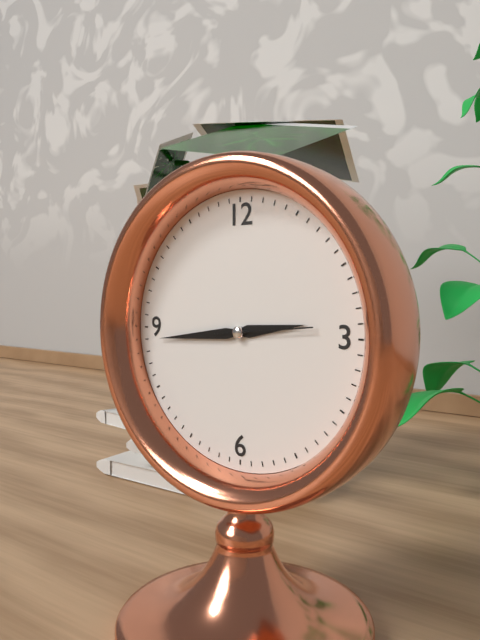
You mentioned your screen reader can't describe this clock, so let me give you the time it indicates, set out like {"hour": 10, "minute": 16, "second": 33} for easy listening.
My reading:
{"hour": 2, "minute": 44, "second": 14}
